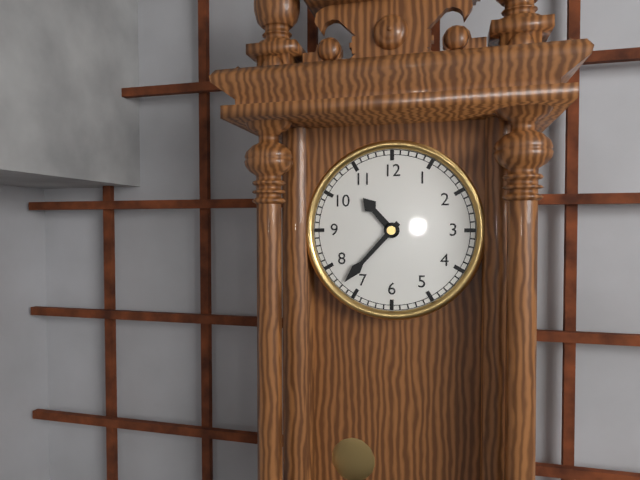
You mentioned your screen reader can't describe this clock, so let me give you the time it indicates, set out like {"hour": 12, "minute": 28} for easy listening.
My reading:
{"hour": 10, "minute": 37}
